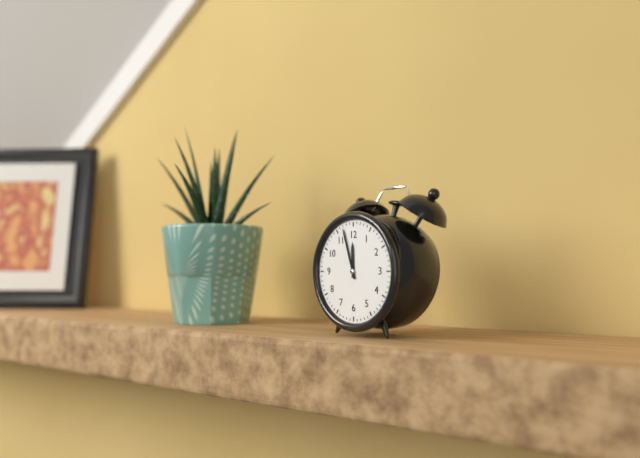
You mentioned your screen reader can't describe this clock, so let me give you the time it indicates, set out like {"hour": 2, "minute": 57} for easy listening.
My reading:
{"hour": 11, "minute": 57}
